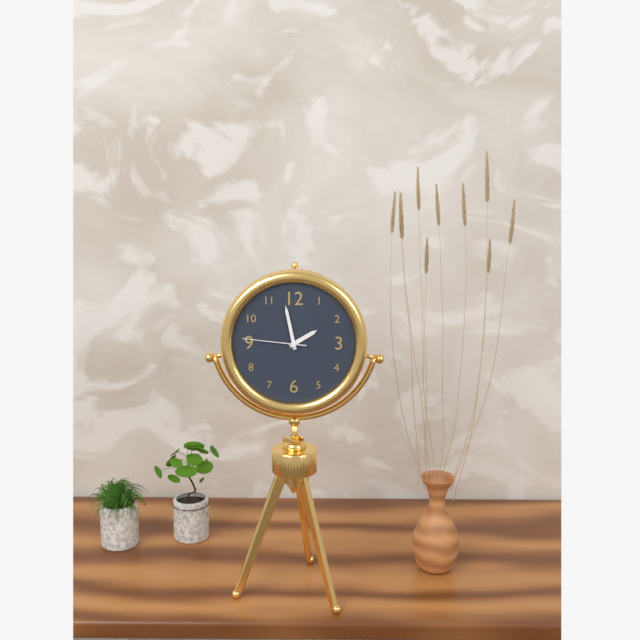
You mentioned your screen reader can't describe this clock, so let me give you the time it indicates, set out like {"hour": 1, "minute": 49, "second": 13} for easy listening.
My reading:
{"hour": 1, "minute": 58, "second": 46}
